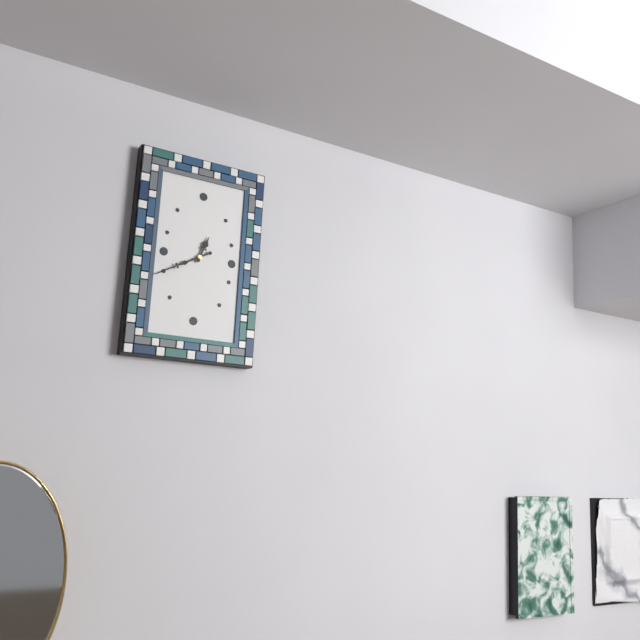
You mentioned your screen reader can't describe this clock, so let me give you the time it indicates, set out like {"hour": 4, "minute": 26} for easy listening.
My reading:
{"hour": 12, "minute": 40}
